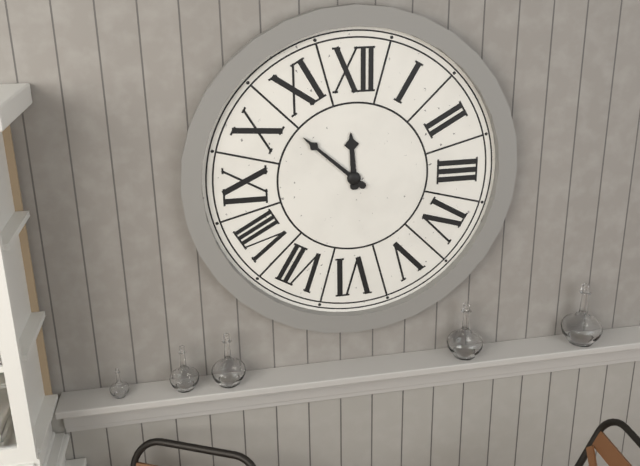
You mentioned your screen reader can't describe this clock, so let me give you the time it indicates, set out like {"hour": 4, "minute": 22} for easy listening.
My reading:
{"hour": 11, "minute": 52}
